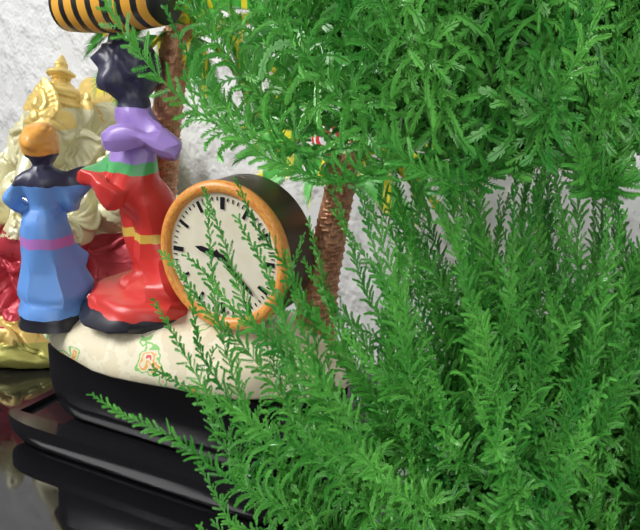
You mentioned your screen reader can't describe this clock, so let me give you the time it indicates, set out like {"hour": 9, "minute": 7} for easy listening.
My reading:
{"hour": 9, "minute": 22}
